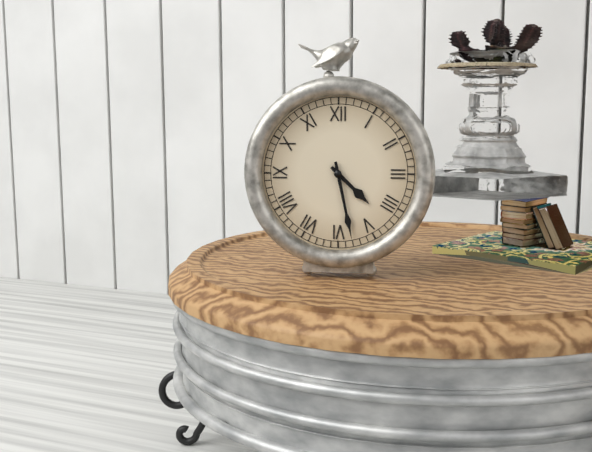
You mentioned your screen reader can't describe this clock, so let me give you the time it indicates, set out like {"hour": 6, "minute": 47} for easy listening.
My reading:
{"hour": 4, "minute": 28}
